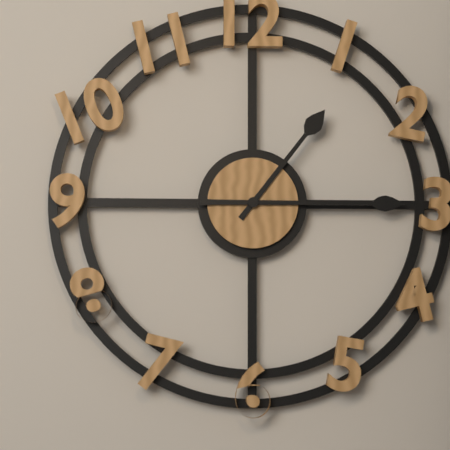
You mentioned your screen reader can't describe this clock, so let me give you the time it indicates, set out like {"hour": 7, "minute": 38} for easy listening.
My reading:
{"hour": 1, "minute": 15}
